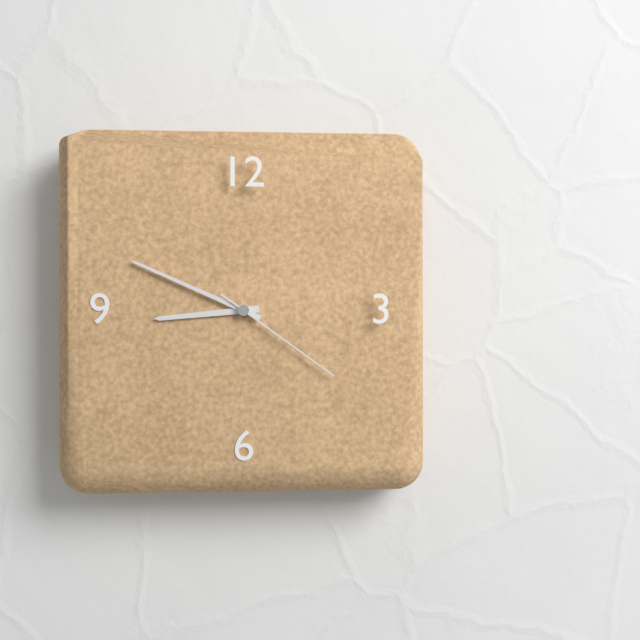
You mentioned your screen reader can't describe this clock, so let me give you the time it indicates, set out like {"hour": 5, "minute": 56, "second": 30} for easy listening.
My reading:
{"hour": 8, "minute": 49, "second": 21}
